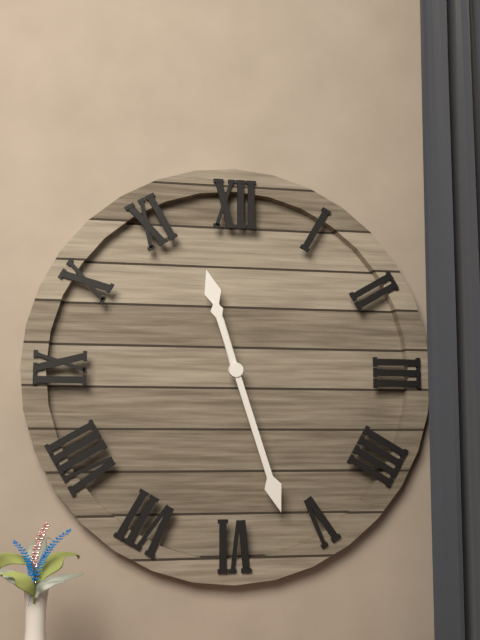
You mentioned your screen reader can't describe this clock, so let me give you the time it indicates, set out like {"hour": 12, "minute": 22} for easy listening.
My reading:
{"hour": 11, "minute": 27}
